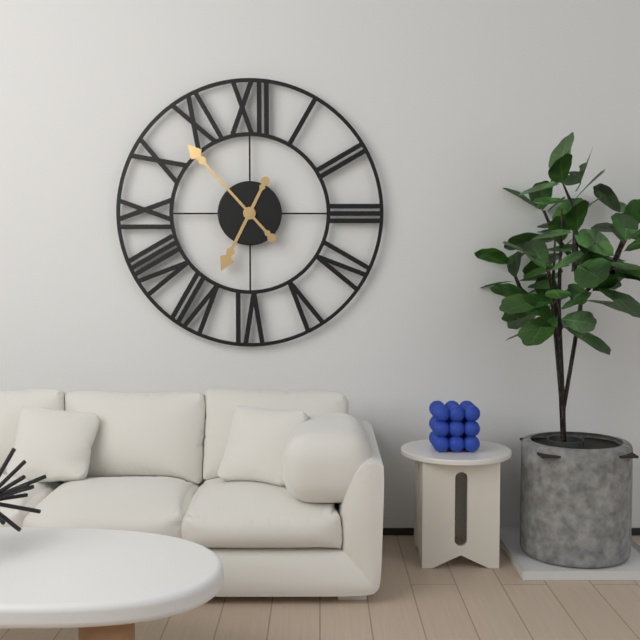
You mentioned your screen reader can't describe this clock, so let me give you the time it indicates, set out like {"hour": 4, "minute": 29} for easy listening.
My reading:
{"hour": 6, "minute": 53}
